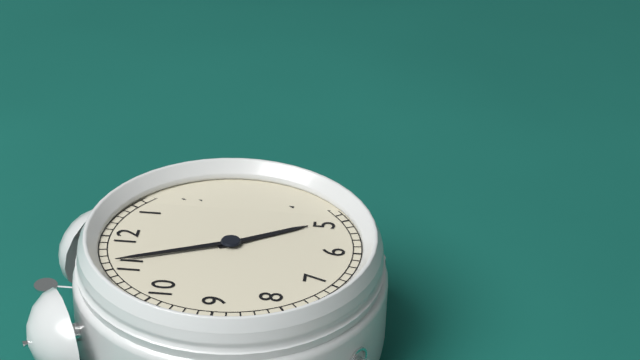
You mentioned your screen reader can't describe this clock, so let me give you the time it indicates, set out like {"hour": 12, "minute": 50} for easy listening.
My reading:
{"hour": 4, "minute": 56}
